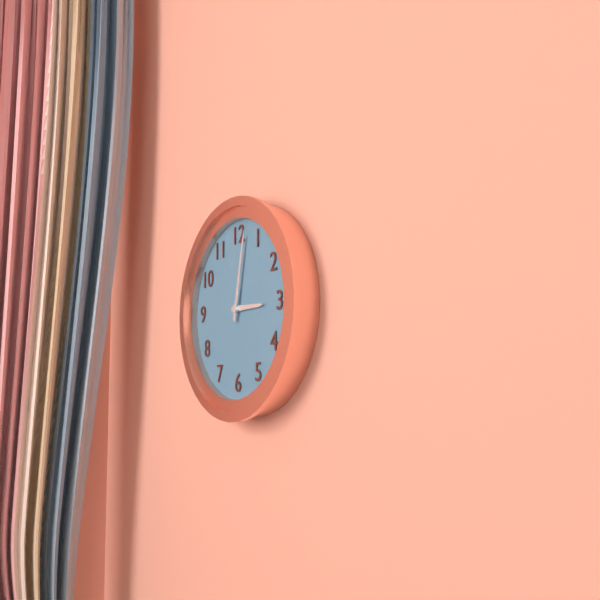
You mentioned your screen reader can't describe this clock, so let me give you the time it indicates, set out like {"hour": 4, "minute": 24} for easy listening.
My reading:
{"hour": 3, "minute": 2}
